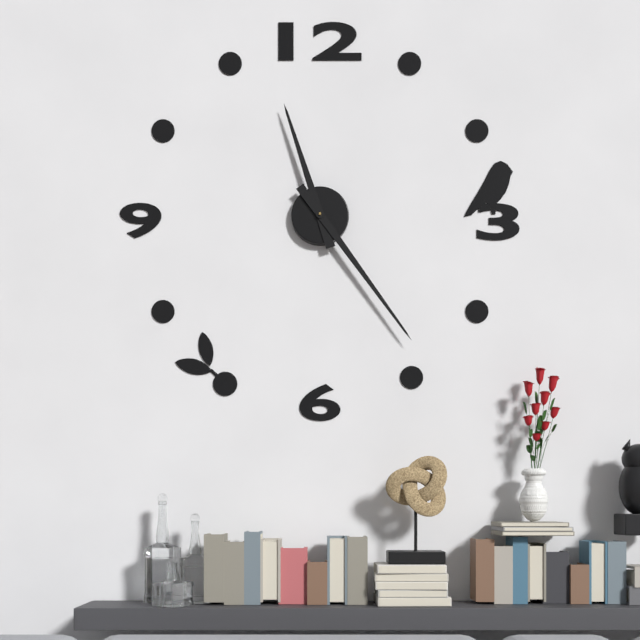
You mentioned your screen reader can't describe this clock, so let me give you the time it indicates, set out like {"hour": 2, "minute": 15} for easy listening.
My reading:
{"hour": 11, "minute": 24}
